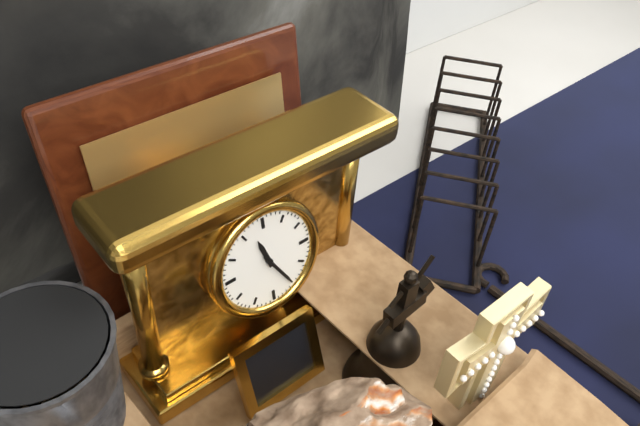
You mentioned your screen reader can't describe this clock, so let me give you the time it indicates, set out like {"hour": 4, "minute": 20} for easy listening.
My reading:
{"hour": 11, "minute": 25}
